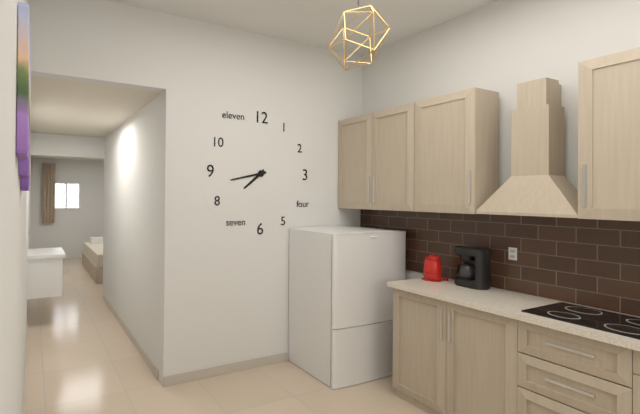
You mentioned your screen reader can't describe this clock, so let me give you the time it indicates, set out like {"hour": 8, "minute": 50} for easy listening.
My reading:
{"hour": 7, "minute": 43}
